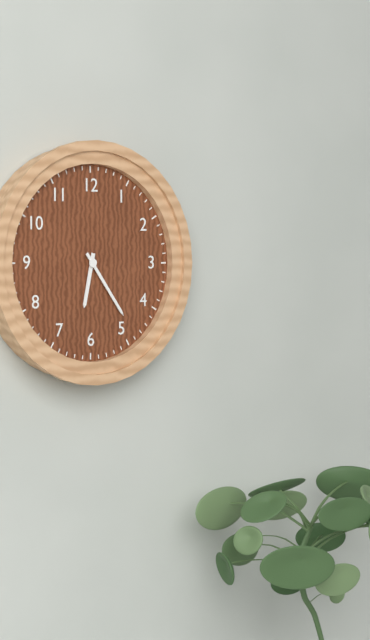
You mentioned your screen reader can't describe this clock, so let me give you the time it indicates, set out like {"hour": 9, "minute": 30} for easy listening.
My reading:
{"hour": 6, "minute": 24}
